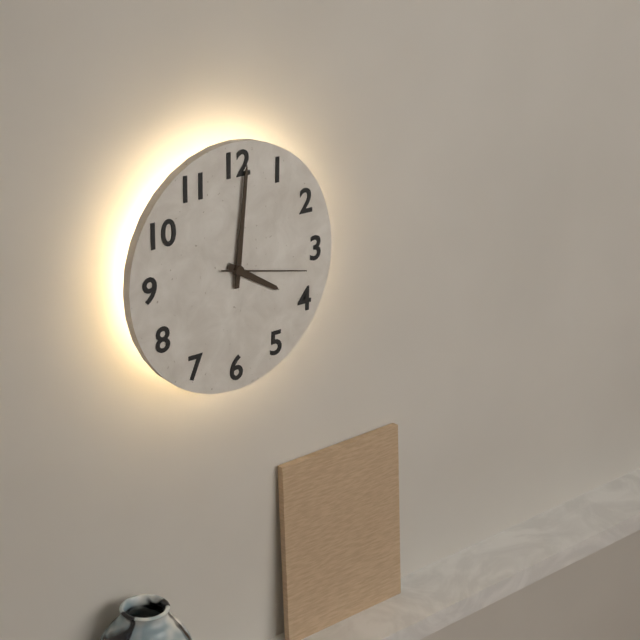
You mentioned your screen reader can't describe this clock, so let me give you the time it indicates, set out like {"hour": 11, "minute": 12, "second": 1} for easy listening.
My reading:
{"hour": 4, "minute": 1, "second": 17}
